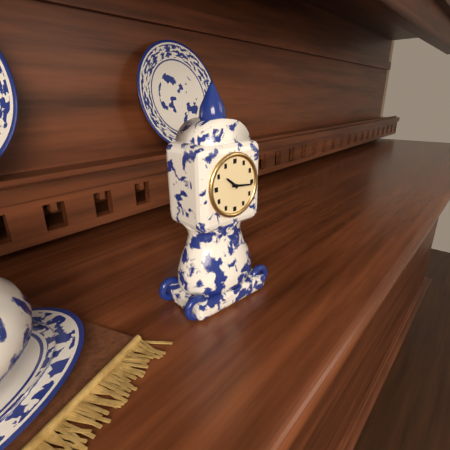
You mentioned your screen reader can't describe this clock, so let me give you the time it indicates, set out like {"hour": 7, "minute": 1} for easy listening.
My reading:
{"hour": 10, "minute": 16}
